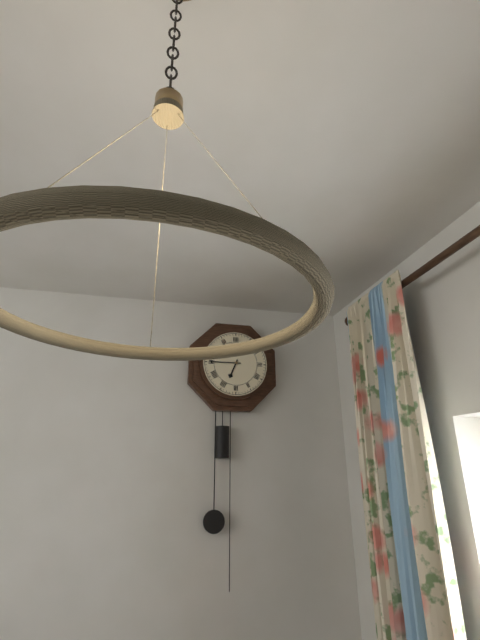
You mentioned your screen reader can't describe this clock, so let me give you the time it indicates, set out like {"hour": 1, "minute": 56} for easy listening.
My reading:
{"hour": 6, "minute": 45}
